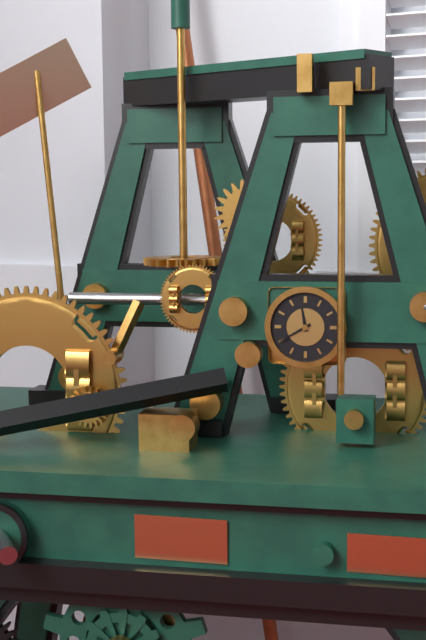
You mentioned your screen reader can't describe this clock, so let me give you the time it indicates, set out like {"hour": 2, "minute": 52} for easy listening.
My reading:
{"hour": 11, "minute": 40}
